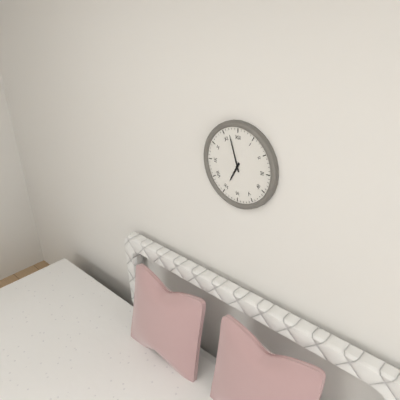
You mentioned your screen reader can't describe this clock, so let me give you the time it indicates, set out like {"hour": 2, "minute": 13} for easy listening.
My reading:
{"hour": 6, "minute": 57}
